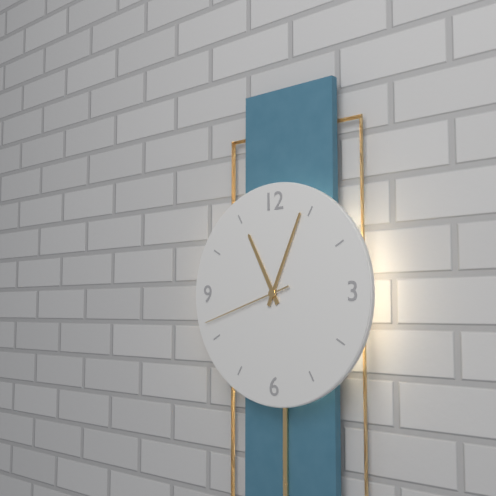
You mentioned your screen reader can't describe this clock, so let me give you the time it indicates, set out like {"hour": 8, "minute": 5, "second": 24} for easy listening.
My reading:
{"hour": 11, "minute": 4, "second": 42}
